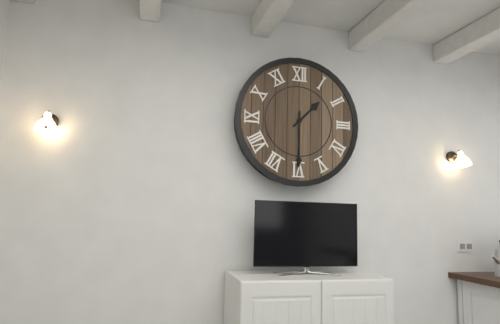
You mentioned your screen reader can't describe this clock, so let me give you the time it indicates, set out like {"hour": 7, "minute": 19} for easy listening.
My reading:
{"hour": 1, "minute": 30}
